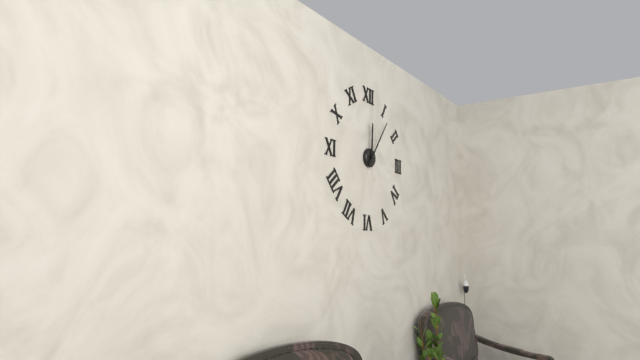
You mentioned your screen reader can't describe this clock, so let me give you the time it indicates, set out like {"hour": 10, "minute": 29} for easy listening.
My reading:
{"hour": 12, "minute": 6}
